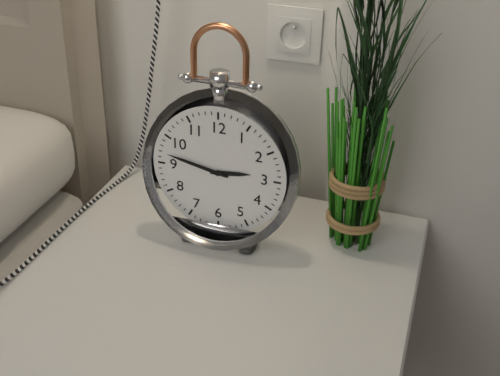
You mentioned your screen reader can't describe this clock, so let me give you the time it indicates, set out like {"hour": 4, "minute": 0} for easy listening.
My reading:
{"hour": 2, "minute": 47}
